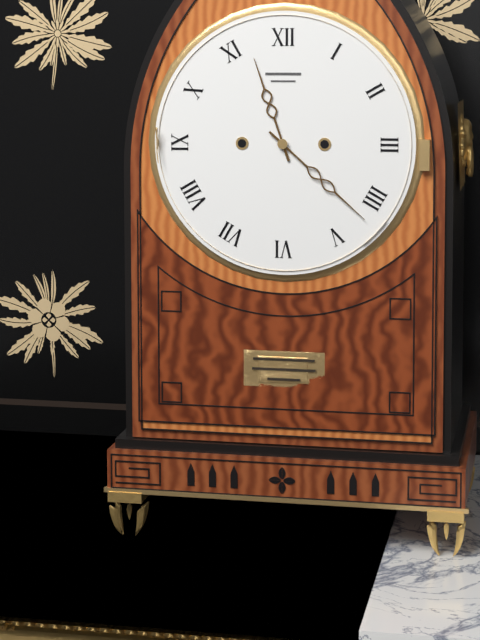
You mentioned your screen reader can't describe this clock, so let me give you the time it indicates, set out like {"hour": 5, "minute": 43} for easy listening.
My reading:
{"hour": 11, "minute": 22}
